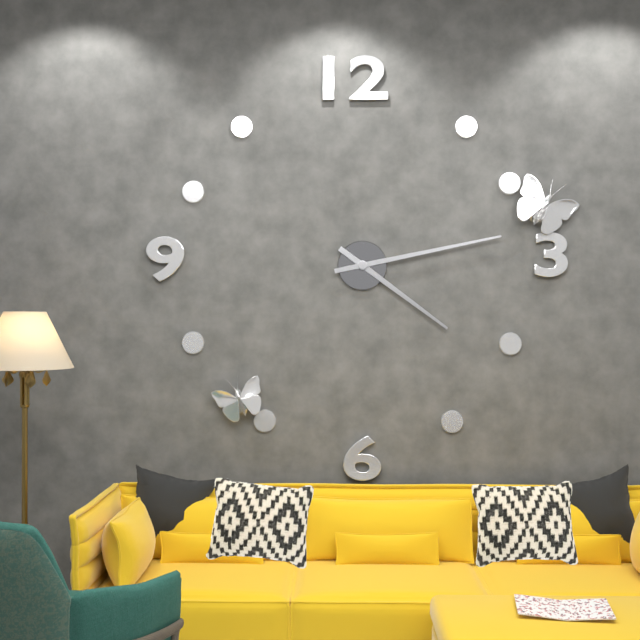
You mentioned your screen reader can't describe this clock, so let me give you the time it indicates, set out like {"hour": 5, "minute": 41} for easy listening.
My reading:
{"hour": 4, "minute": 13}
